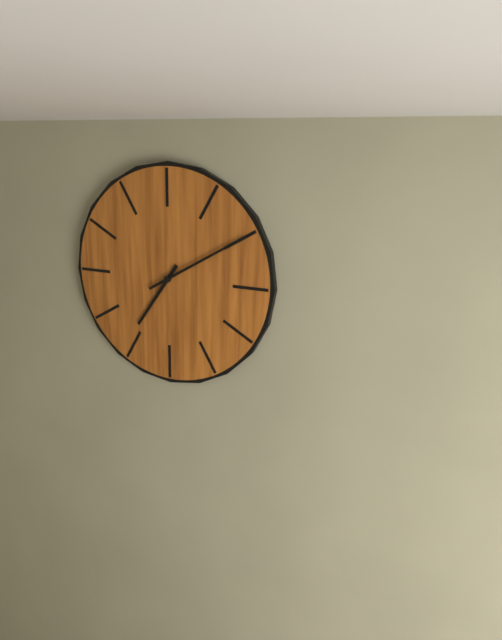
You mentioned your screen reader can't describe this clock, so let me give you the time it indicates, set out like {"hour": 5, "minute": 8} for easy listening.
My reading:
{"hour": 7, "minute": 10}
